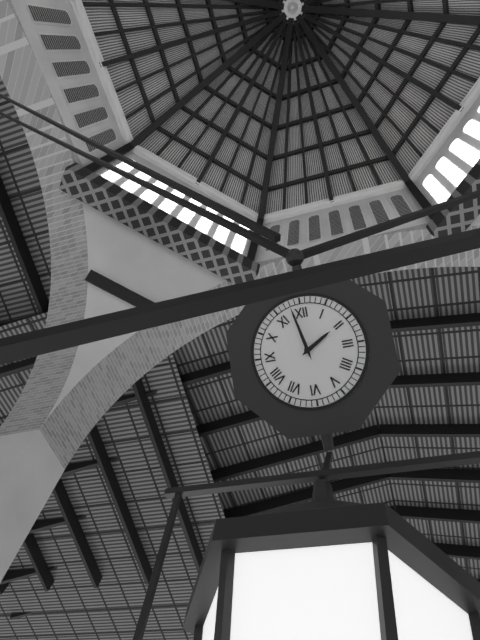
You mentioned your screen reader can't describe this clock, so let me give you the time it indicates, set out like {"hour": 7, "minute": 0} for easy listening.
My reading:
{"hour": 1, "minute": 58}
